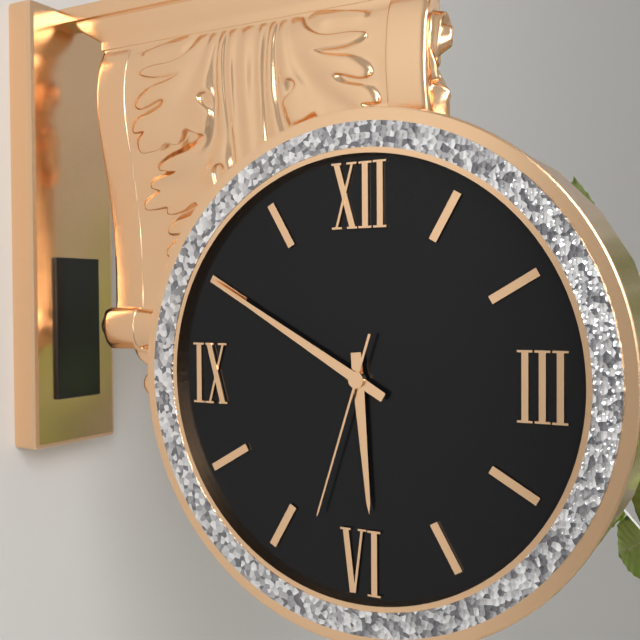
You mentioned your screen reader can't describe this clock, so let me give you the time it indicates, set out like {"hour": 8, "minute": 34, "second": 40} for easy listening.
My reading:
{"hour": 5, "minute": 50, "second": 33}
